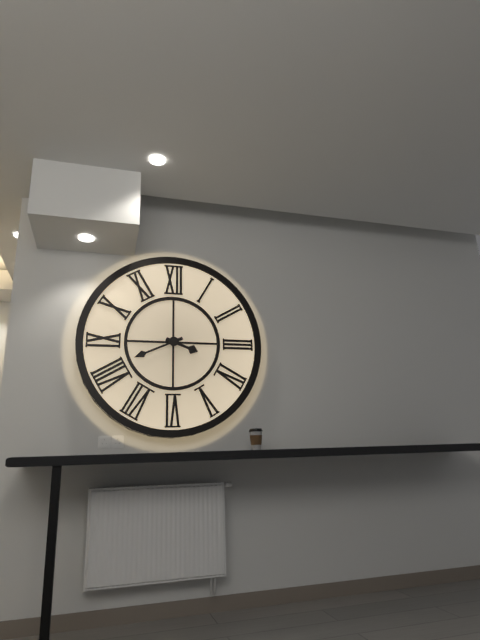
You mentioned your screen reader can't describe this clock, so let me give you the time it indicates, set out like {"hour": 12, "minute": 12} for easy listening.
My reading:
{"hour": 3, "minute": 41}
